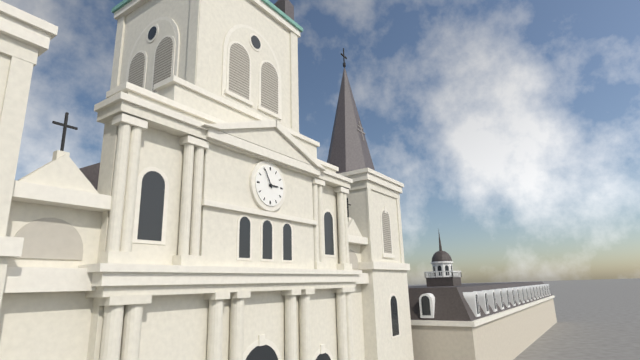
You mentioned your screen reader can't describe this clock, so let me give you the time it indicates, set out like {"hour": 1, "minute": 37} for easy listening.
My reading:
{"hour": 2, "minute": 55}
